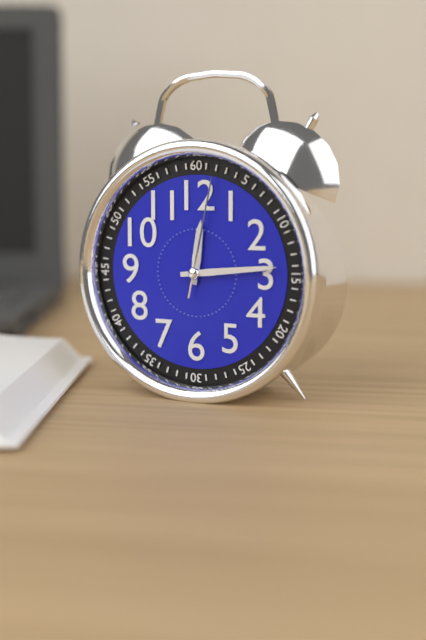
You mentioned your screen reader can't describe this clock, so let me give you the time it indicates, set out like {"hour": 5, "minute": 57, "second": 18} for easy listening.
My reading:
{"hour": 12, "minute": 14, "second": 2}
